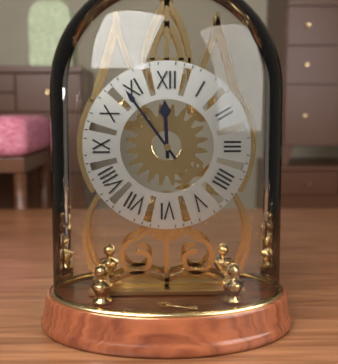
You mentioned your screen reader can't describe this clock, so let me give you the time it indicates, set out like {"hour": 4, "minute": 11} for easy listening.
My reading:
{"hour": 11, "minute": 54}
